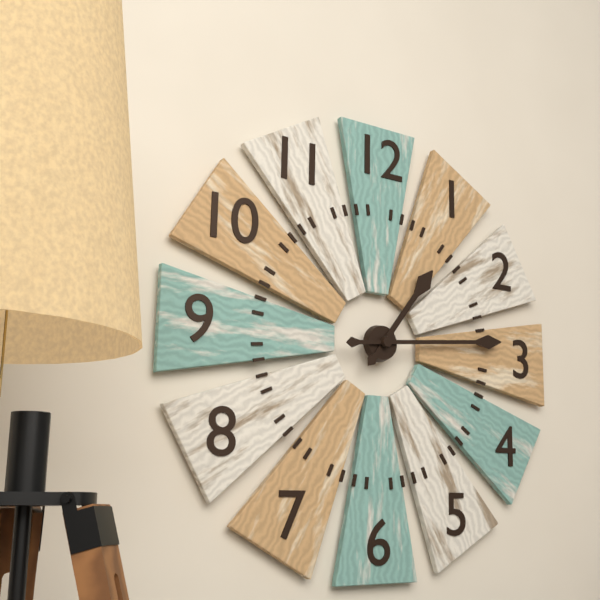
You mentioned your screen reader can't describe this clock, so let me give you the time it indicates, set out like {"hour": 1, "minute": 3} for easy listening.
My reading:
{"hour": 1, "minute": 14}
